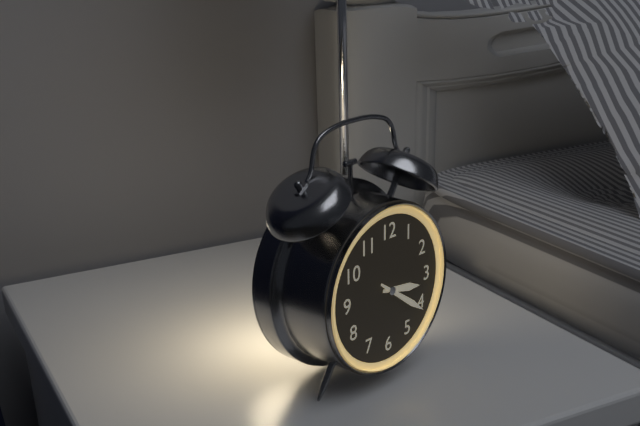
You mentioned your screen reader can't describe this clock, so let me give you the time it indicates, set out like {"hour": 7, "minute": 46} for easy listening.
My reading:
{"hour": 3, "minute": 21}
